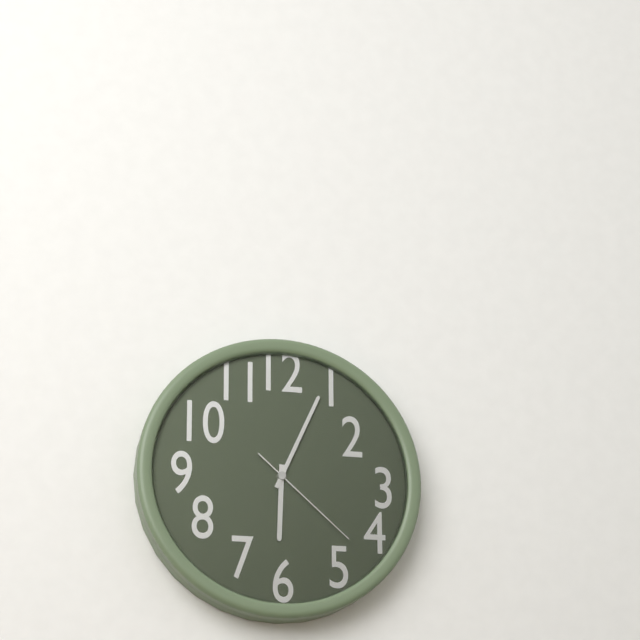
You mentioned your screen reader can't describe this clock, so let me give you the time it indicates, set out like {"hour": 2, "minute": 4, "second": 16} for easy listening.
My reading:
{"hour": 6, "minute": 4, "second": 22}
